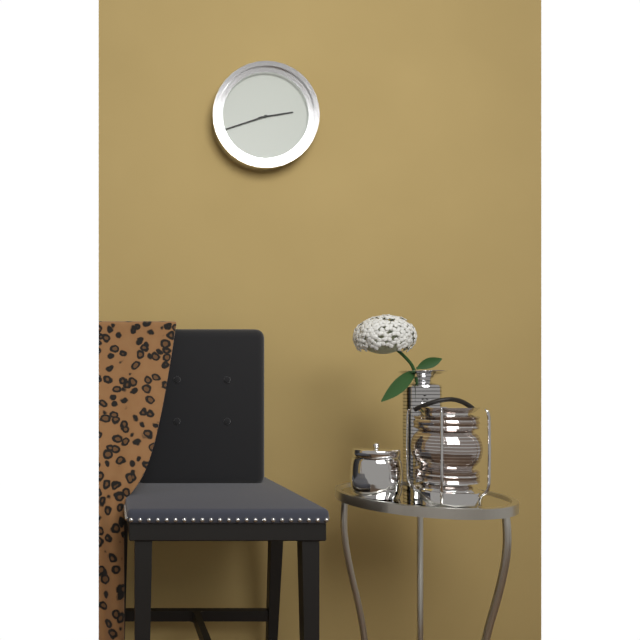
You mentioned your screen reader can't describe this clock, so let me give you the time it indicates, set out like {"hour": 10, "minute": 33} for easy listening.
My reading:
{"hour": 2, "minute": 42}
